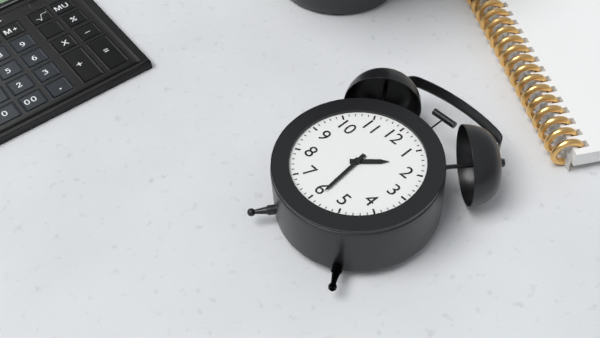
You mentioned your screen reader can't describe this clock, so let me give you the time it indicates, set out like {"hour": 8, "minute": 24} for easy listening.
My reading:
{"hour": 1, "minute": 29}
